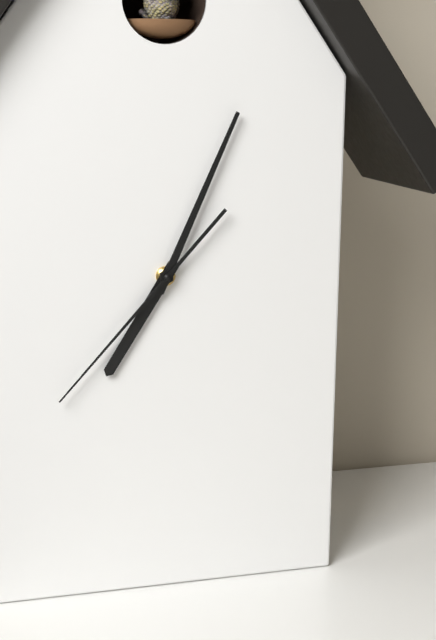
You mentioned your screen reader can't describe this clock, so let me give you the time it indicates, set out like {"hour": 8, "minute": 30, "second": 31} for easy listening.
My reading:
{"hour": 7, "minute": 4, "second": 37}
